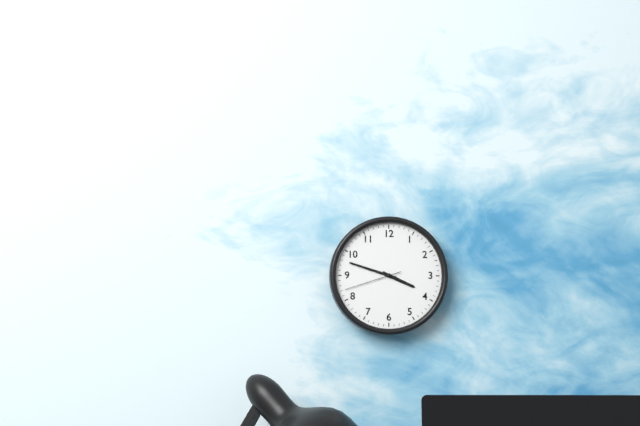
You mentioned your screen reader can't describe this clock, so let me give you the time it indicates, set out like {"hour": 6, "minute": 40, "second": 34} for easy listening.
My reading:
{"hour": 3, "minute": 48, "second": 42}
